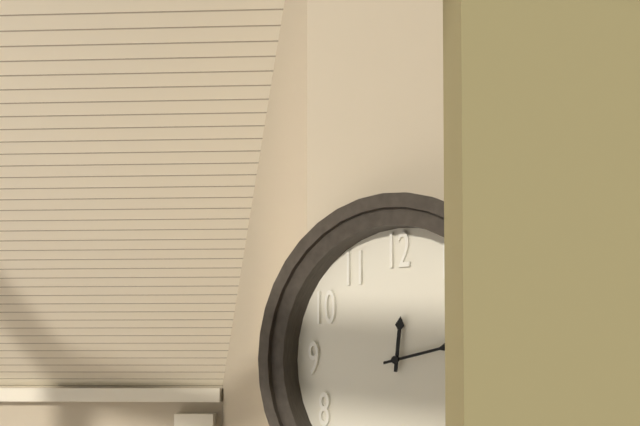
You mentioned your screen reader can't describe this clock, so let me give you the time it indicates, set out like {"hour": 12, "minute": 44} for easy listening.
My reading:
{"hour": 12, "minute": 13}
